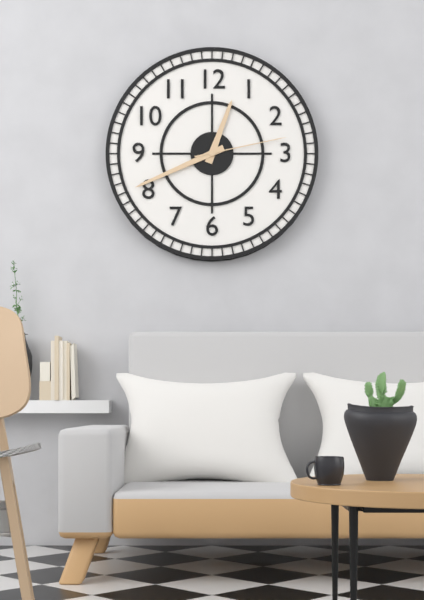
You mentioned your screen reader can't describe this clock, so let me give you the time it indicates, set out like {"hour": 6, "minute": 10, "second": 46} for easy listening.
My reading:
{"hour": 12, "minute": 41, "second": 13}
